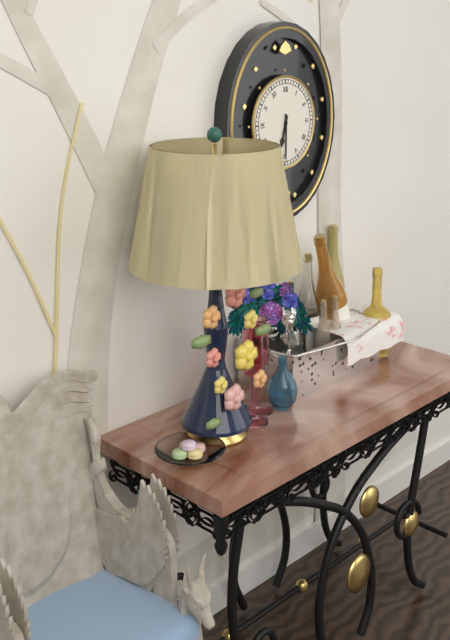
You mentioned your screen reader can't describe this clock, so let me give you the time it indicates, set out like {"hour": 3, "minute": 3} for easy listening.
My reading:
{"hour": 6, "minute": 30}
